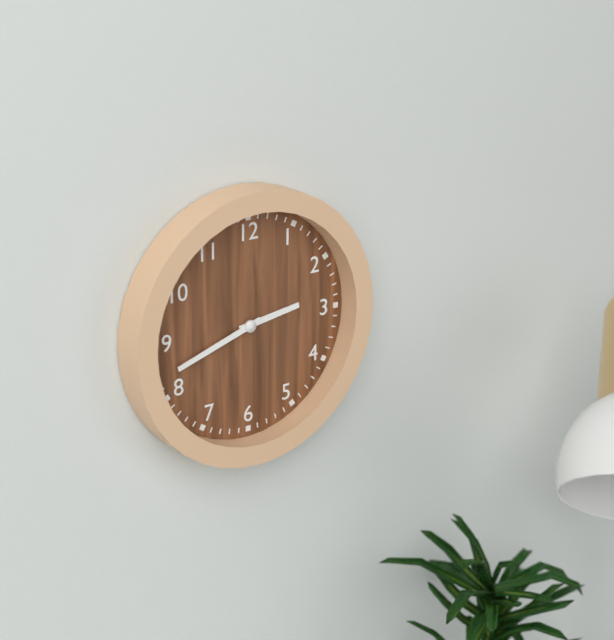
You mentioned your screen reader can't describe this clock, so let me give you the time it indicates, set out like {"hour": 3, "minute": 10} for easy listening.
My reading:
{"hour": 2, "minute": 42}
